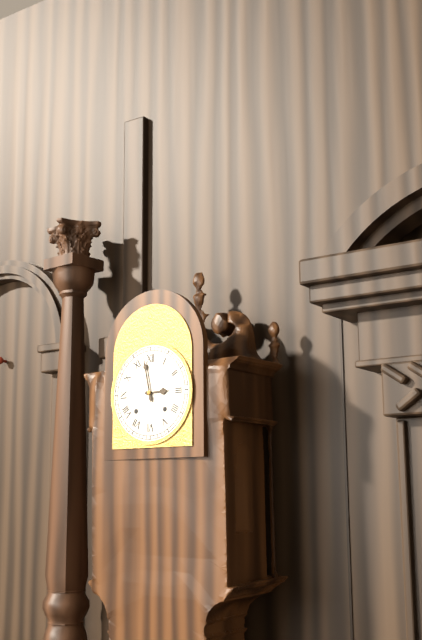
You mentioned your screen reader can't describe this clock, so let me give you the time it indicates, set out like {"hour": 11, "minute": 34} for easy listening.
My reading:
{"hour": 2, "minute": 58}
